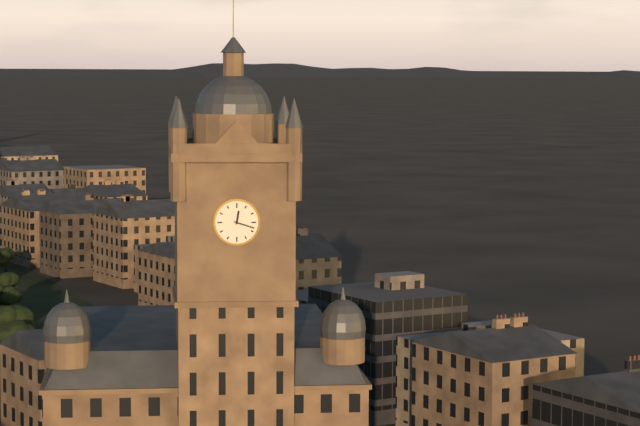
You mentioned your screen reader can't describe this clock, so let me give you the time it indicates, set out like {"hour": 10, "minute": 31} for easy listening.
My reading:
{"hour": 12, "minute": 18}
